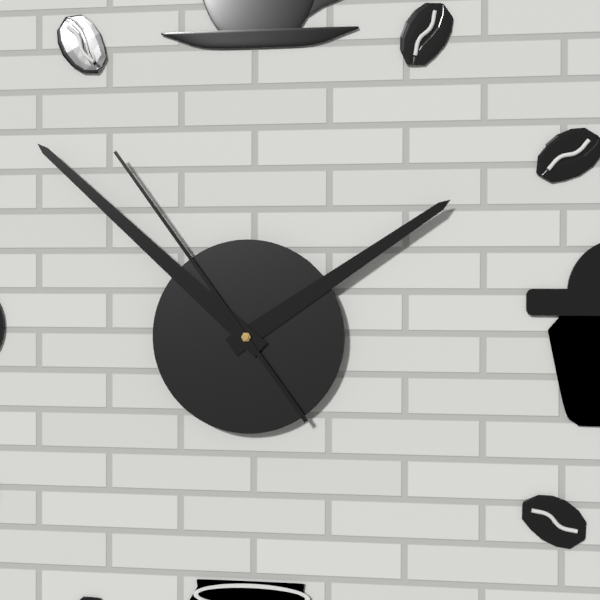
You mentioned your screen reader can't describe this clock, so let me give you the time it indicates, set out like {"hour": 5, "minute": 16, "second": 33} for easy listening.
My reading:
{"hour": 1, "minute": 52, "second": 54}
